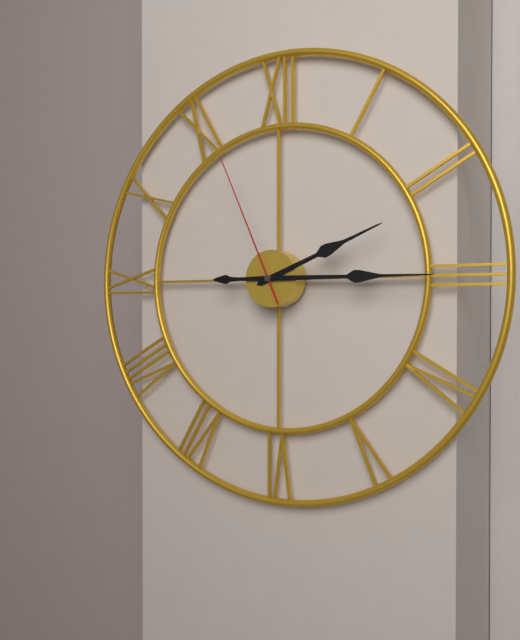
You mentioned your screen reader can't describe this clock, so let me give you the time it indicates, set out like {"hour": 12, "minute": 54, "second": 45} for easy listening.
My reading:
{"hour": 2, "minute": 15, "second": 56}
